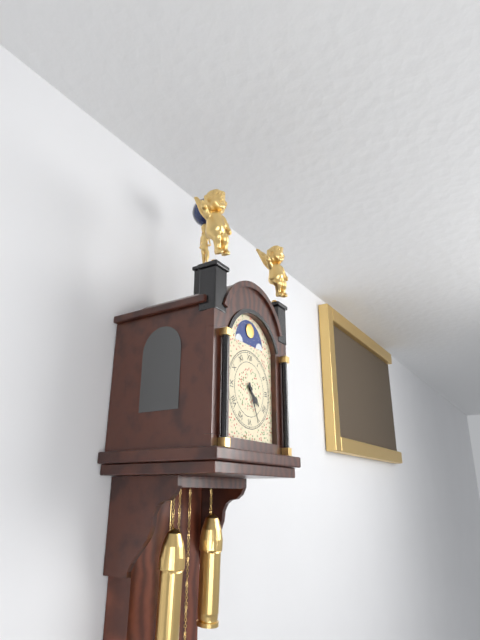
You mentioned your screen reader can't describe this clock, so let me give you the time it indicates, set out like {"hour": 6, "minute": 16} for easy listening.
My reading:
{"hour": 4, "minute": 26}
